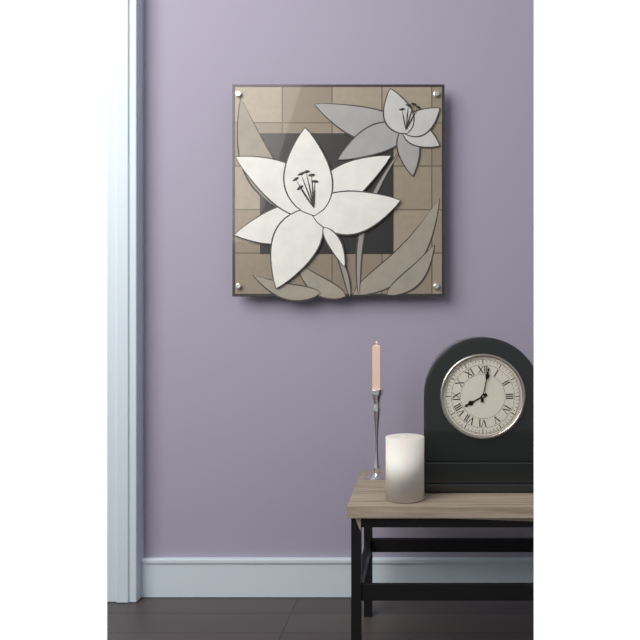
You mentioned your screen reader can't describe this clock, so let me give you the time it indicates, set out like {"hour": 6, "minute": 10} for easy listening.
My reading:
{"hour": 8, "minute": 2}
